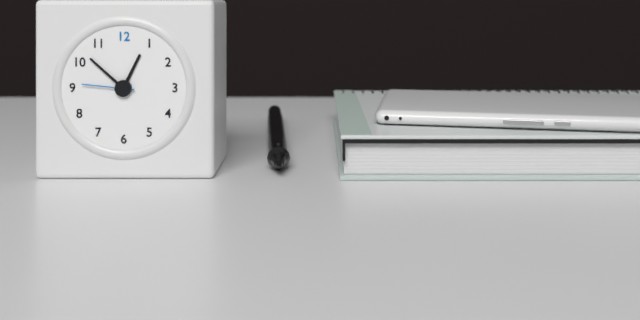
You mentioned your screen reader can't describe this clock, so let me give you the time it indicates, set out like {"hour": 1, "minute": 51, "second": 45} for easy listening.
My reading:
{"hour": 12, "minute": 52, "second": 46}
